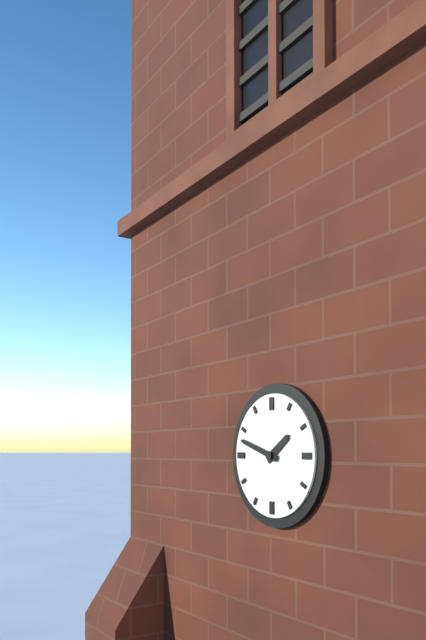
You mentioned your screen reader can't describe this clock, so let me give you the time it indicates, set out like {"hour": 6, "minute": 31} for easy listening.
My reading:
{"hour": 1, "minute": 48}
